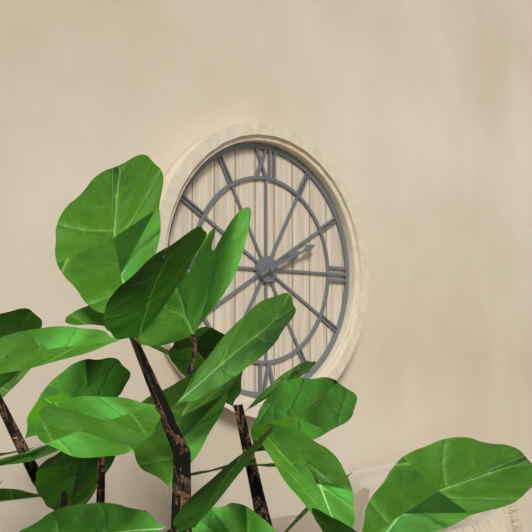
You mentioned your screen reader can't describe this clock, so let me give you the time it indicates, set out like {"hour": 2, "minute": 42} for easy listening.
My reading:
{"hour": 2, "minute": 11}
